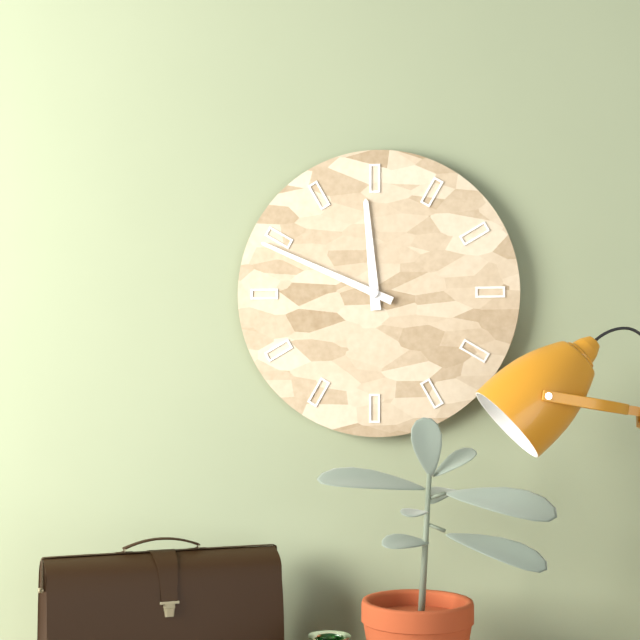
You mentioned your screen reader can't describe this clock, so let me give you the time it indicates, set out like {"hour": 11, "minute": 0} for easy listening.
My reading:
{"hour": 11, "minute": 49}
